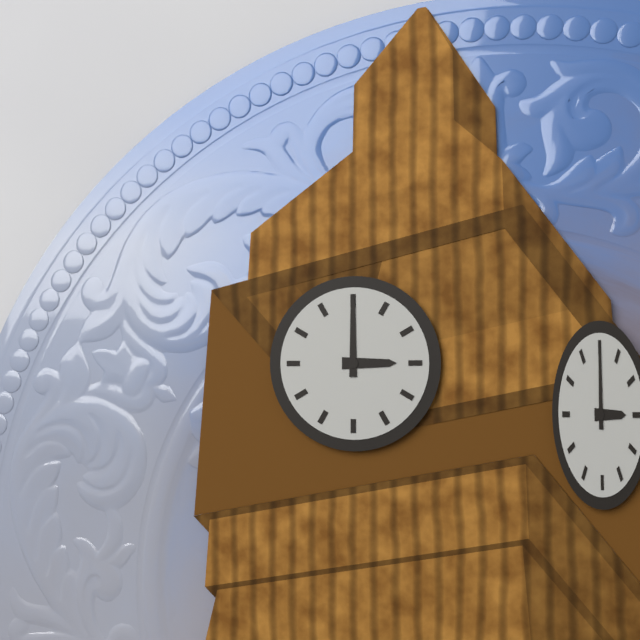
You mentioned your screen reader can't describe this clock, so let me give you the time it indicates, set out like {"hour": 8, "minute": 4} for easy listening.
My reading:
{"hour": 3, "minute": 0}
